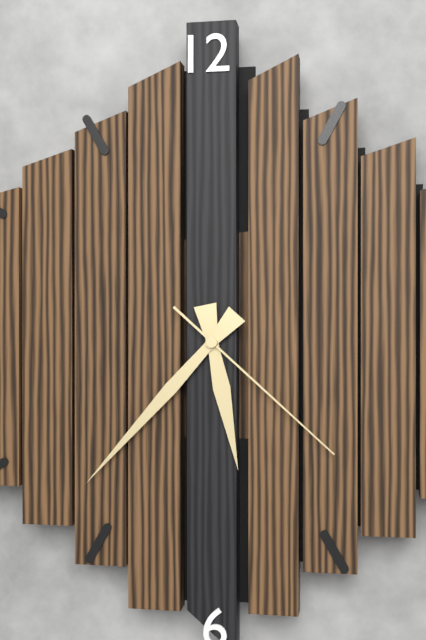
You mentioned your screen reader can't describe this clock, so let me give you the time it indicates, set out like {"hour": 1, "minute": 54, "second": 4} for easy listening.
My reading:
{"hour": 5, "minute": 37, "second": 22}
